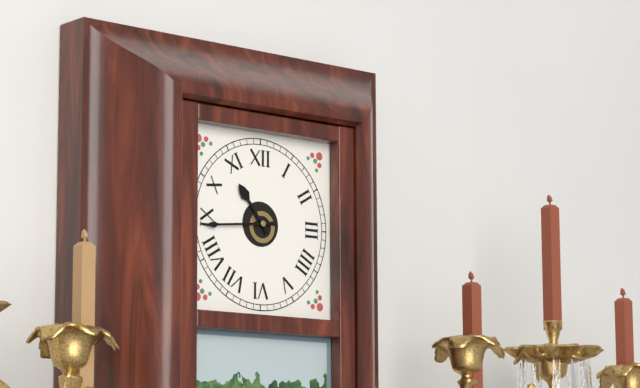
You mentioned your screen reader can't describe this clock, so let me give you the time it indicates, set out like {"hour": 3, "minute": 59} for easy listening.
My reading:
{"hour": 10, "minute": 44}
